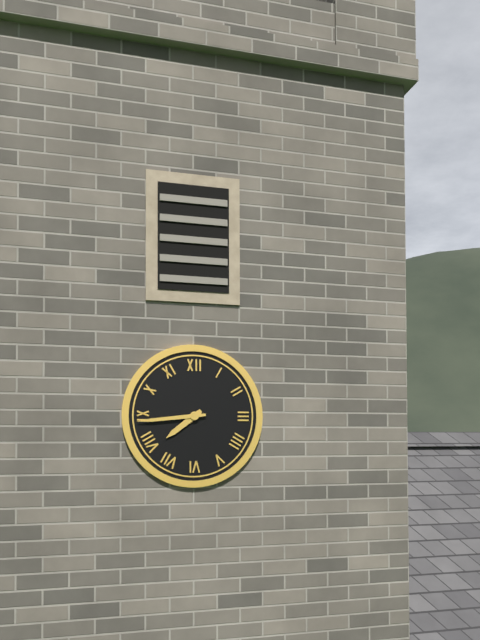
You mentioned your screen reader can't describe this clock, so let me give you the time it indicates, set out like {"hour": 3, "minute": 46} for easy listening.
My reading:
{"hour": 7, "minute": 44}
